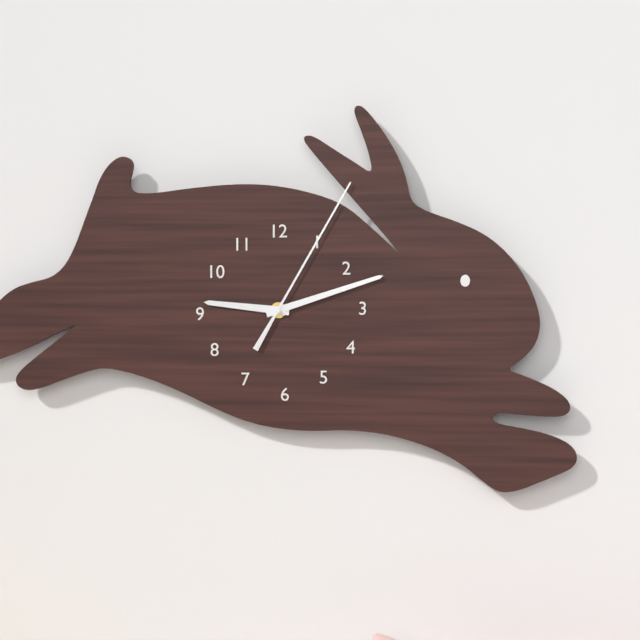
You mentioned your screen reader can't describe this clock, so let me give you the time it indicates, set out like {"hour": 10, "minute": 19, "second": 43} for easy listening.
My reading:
{"hour": 9, "minute": 12, "second": 5}
